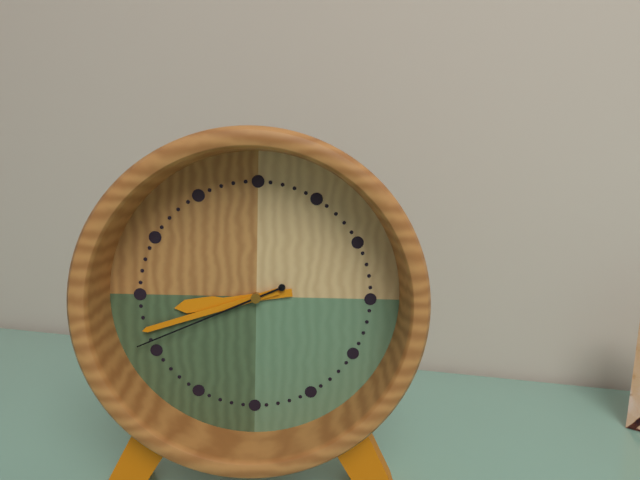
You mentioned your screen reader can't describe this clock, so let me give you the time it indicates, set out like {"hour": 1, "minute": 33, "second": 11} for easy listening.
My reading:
{"hour": 8, "minute": 42, "second": 41}
